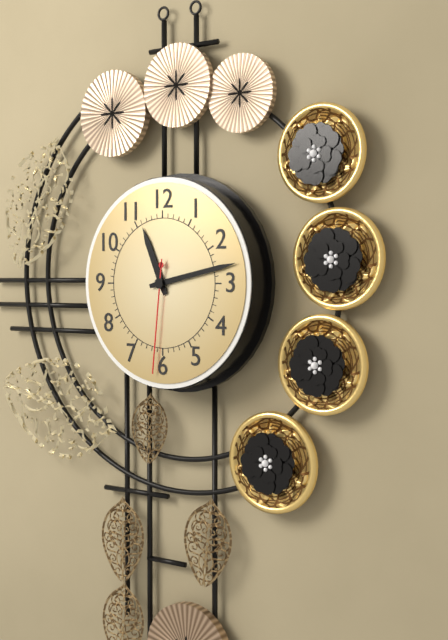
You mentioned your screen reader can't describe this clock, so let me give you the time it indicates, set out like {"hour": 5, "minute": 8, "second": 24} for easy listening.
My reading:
{"hour": 11, "minute": 13, "second": 31}
